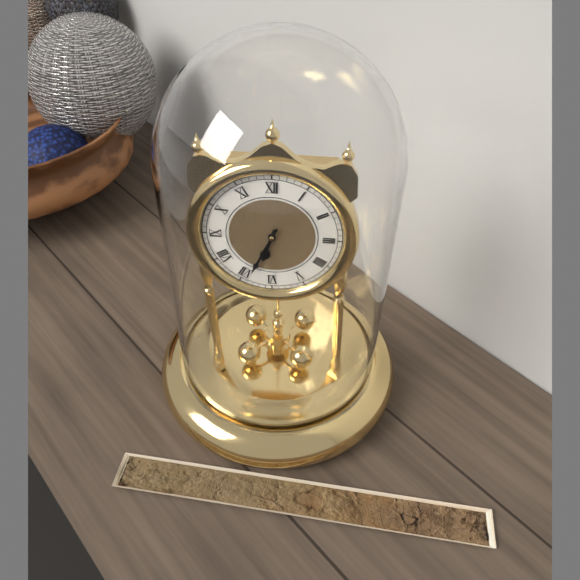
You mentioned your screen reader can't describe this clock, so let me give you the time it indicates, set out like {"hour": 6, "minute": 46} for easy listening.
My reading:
{"hour": 6, "minute": 34}
